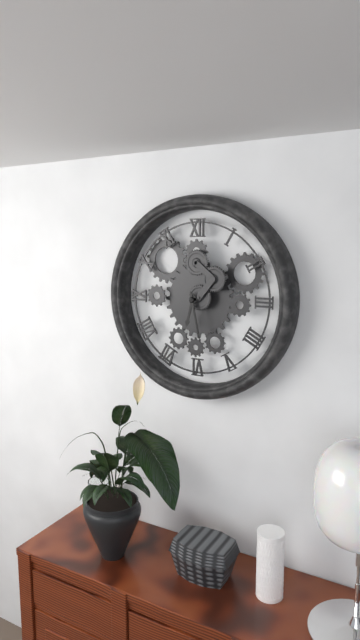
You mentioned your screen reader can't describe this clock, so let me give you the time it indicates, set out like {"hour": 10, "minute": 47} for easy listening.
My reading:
{"hour": 6, "minute": 28}
